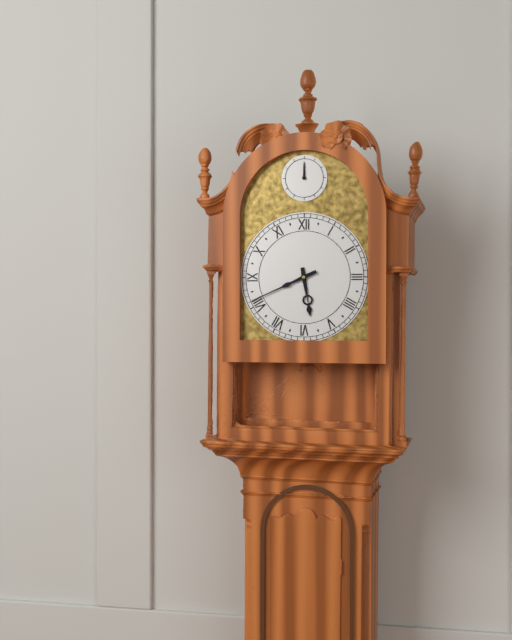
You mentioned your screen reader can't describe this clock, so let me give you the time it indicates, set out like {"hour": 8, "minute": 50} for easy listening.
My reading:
{"hour": 5, "minute": 41}
